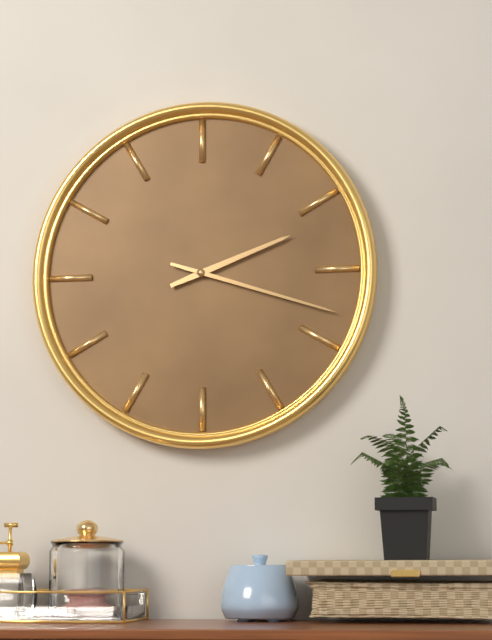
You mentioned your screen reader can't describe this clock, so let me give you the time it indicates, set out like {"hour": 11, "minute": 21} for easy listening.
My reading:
{"hour": 2, "minute": 18}
